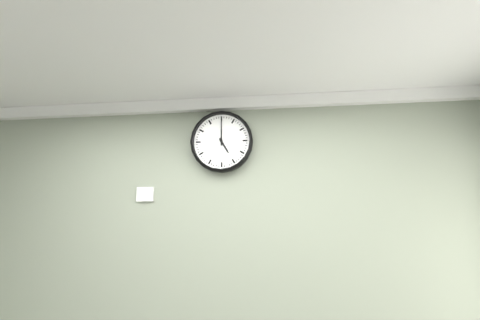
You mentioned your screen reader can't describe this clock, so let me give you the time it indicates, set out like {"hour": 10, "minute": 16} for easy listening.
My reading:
{"hour": 5, "minute": 0}
